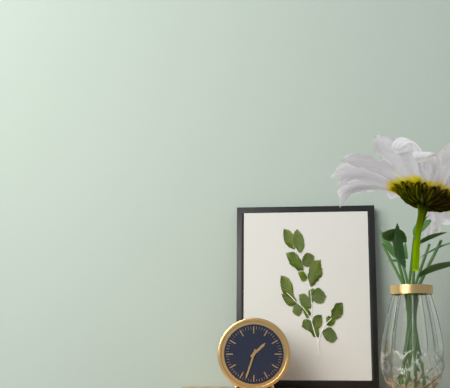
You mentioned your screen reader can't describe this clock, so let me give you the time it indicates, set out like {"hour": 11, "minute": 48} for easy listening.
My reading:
{"hour": 1, "minute": 33}
